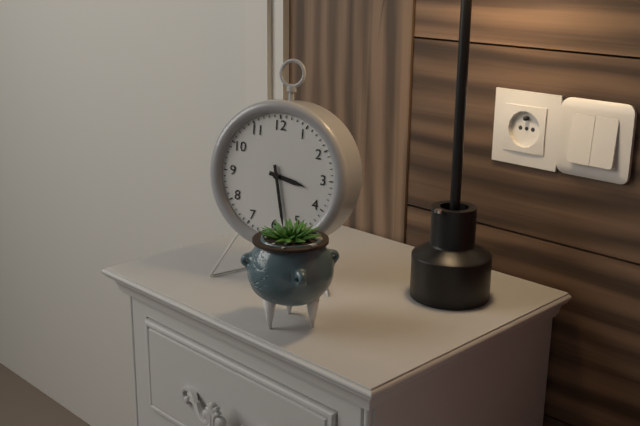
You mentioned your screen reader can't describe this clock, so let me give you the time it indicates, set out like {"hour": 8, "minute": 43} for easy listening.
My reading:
{"hour": 3, "minute": 28}
